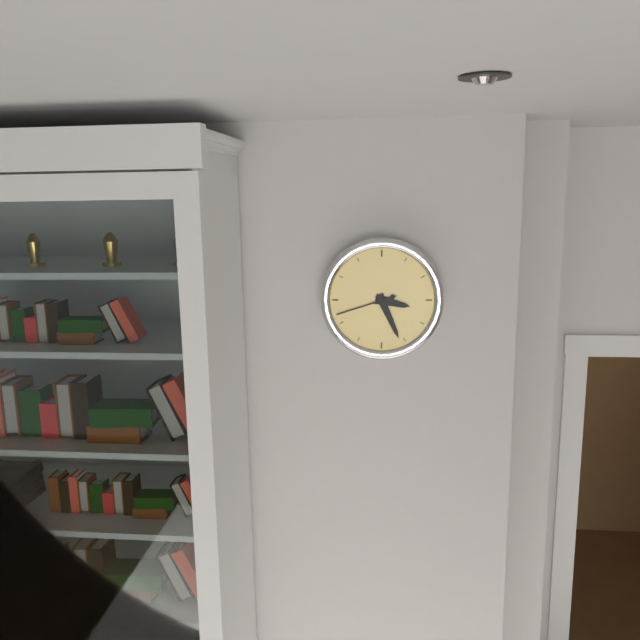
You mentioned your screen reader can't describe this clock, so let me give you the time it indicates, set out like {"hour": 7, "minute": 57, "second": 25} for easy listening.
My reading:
{"hour": 3, "minute": 26, "second": 42}
